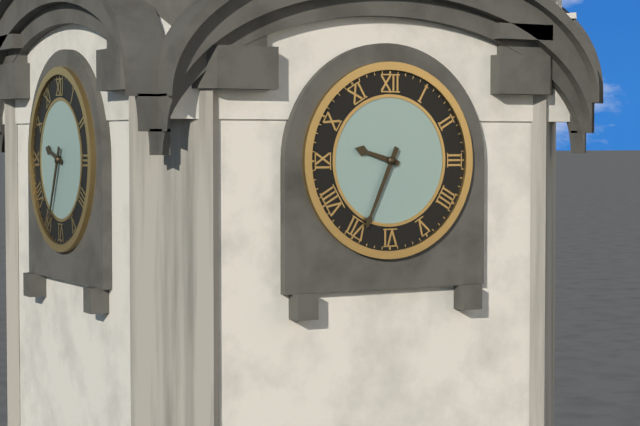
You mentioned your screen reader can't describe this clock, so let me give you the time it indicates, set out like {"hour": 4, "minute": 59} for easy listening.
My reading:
{"hour": 9, "minute": 34}
